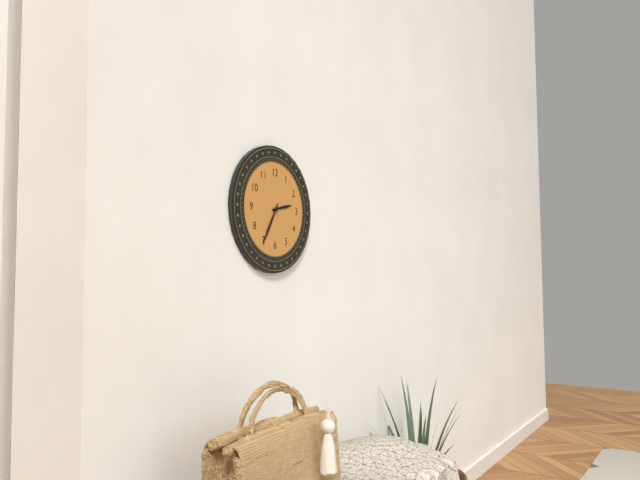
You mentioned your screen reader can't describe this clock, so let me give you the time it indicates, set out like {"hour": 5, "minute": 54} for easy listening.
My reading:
{"hour": 2, "minute": 35}
